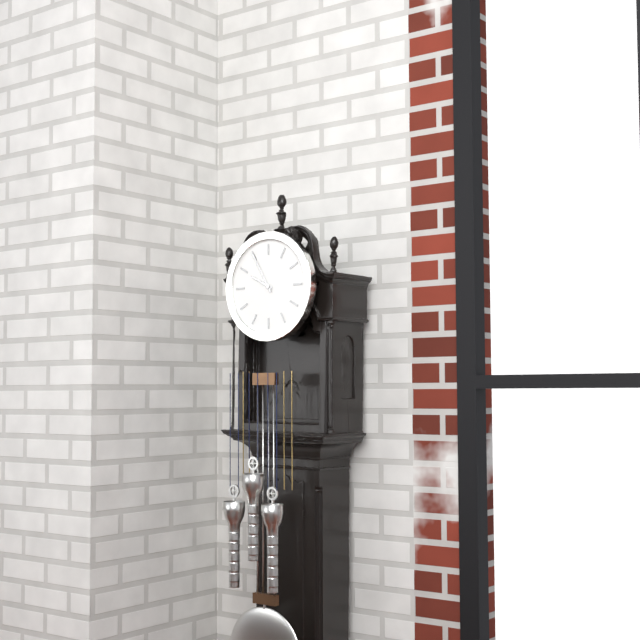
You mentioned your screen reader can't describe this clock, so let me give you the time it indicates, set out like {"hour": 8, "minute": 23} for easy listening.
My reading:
{"hour": 9, "minute": 55}
